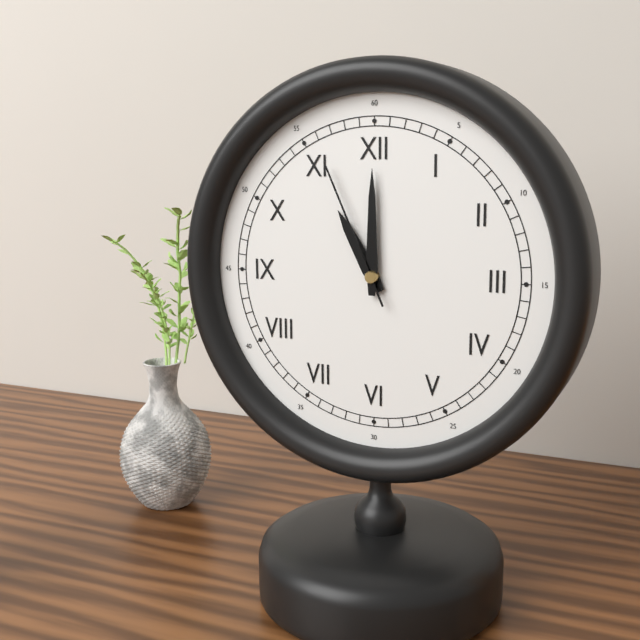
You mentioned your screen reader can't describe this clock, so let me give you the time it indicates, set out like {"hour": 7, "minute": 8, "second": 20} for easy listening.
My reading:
{"hour": 11, "minute": 0, "second": 56}
